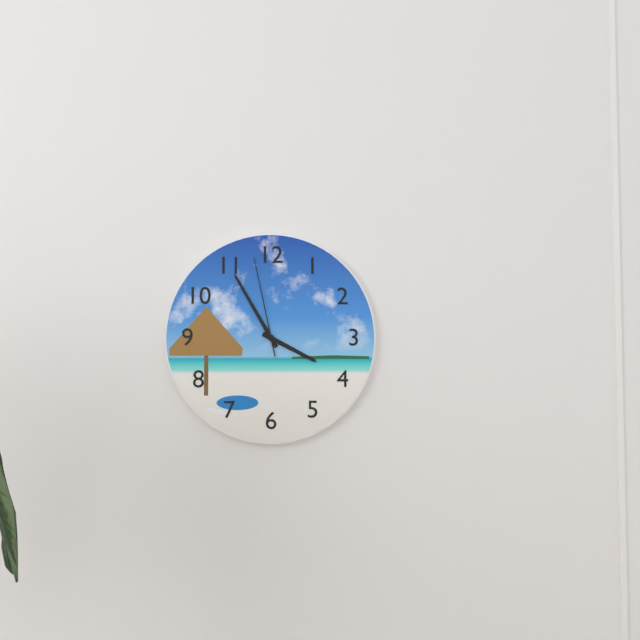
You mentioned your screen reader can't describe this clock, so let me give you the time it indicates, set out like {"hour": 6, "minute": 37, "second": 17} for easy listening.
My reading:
{"hour": 3, "minute": 55, "second": 58}
